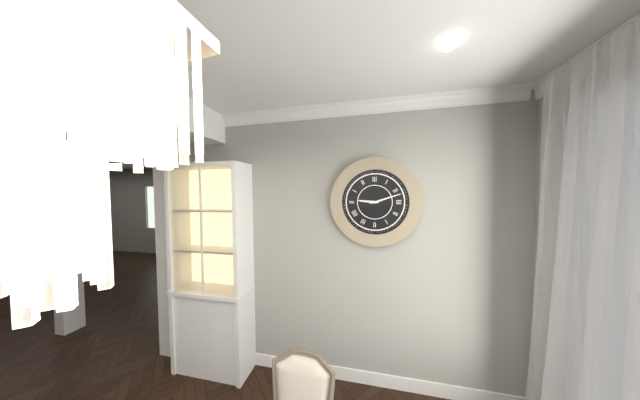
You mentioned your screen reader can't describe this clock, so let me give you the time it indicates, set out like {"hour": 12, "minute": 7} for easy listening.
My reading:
{"hour": 9, "minute": 12}
